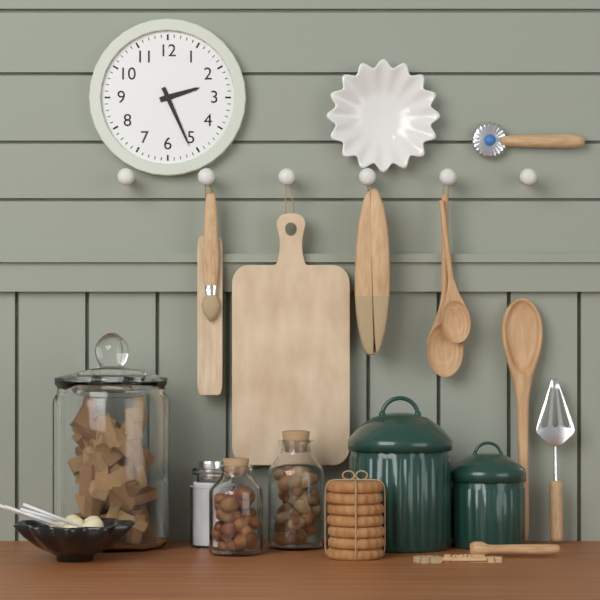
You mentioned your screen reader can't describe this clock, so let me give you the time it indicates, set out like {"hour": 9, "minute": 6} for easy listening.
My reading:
{"hour": 2, "minute": 26}
